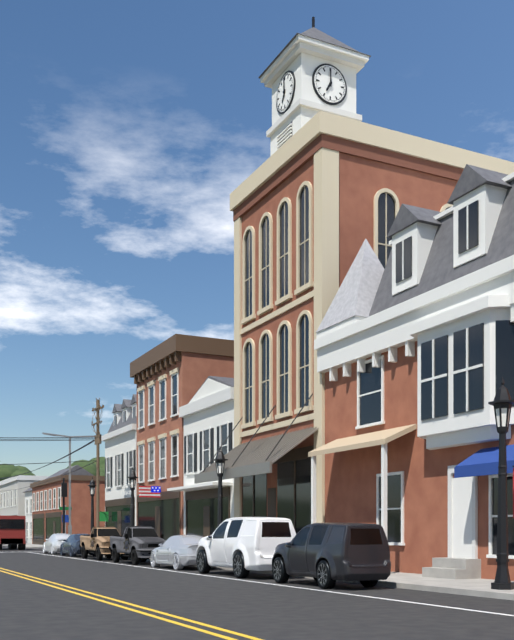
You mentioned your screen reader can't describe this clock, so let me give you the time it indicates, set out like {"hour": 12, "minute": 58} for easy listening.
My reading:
{"hour": 7, "minute": 0}
